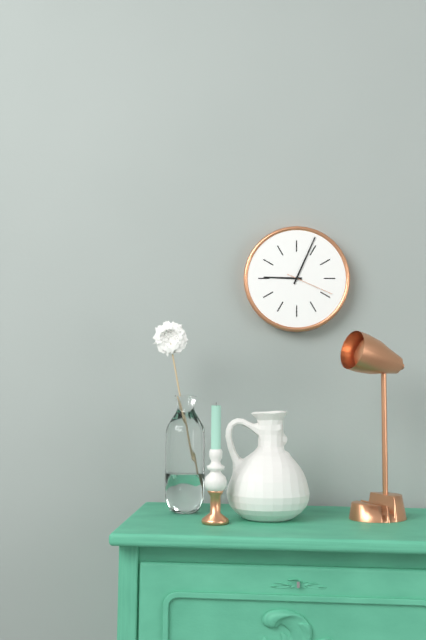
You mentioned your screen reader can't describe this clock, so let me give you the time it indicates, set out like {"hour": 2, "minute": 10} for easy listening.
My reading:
{"hour": 9, "minute": 4}
